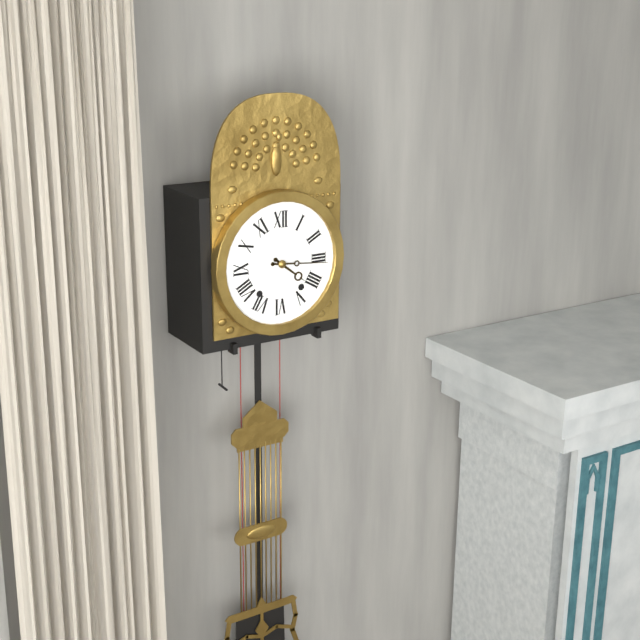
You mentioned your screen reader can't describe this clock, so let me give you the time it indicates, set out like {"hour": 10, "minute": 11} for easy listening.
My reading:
{"hour": 4, "minute": 16}
